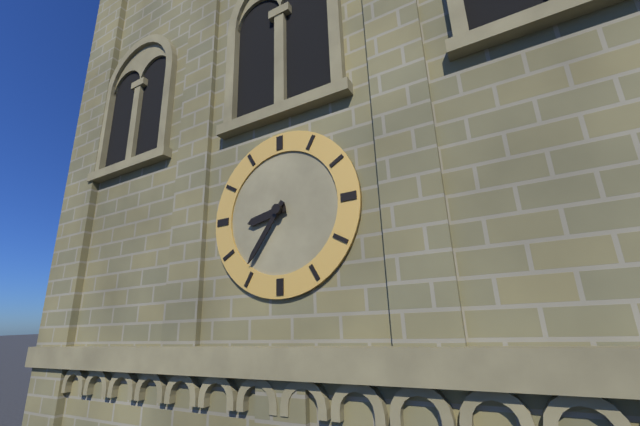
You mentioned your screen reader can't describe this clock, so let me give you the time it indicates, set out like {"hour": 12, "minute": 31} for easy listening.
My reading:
{"hour": 8, "minute": 36}
